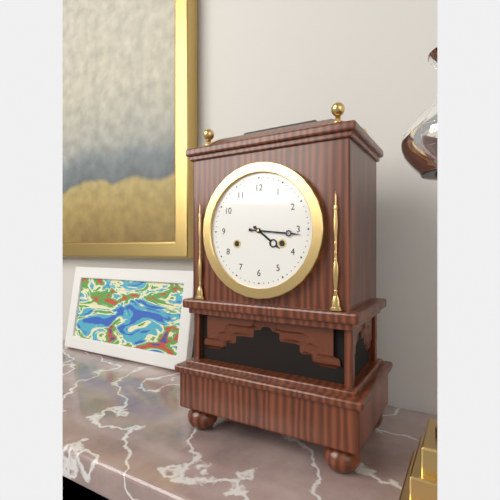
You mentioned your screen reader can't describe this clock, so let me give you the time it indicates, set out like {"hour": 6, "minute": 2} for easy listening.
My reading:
{"hour": 4, "minute": 16}
